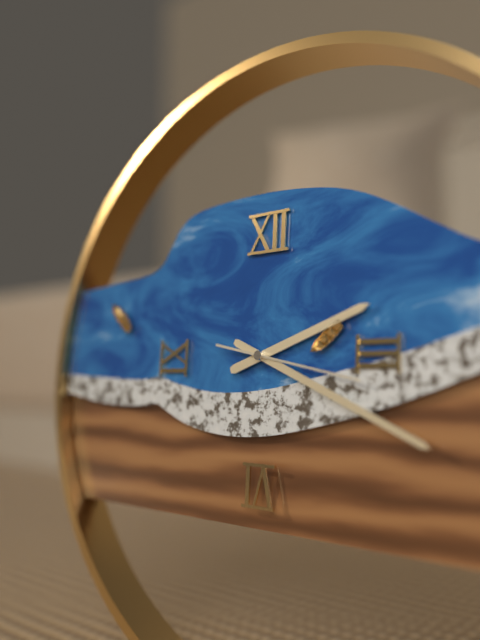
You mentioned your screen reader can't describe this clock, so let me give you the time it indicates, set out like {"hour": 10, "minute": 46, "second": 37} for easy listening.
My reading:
{"hour": 2, "minute": 19, "second": 17}
